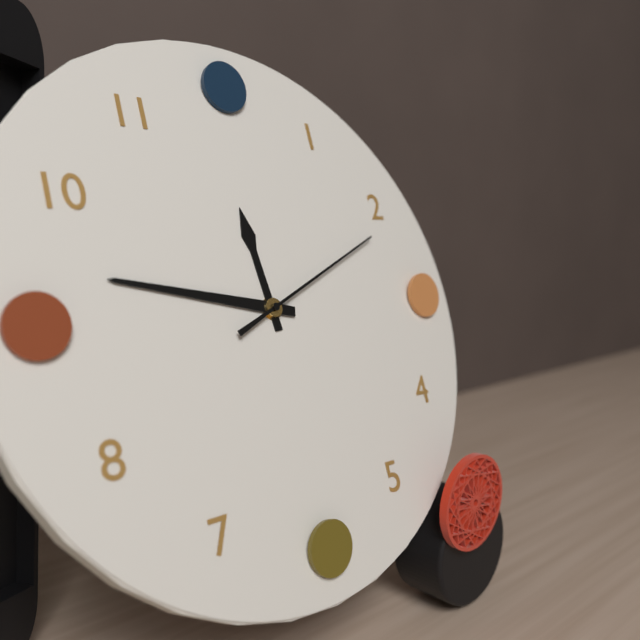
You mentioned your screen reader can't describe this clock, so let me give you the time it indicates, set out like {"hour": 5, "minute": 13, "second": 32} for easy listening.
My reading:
{"hour": 11, "minute": 47, "second": 11}
